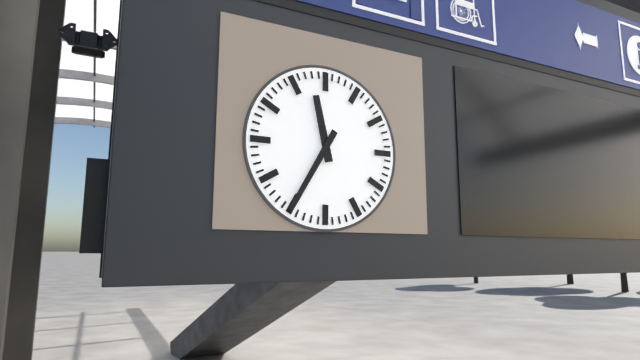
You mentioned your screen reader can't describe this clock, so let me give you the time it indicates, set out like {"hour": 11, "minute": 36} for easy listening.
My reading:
{"hour": 11, "minute": 35}
